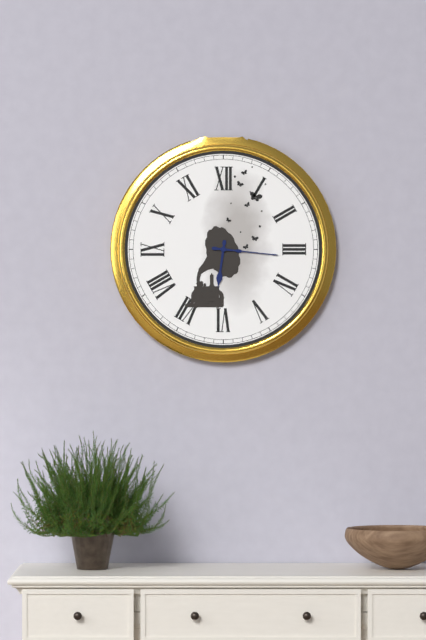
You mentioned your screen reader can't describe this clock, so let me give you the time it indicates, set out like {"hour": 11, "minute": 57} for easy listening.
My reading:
{"hour": 6, "minute": 16}
